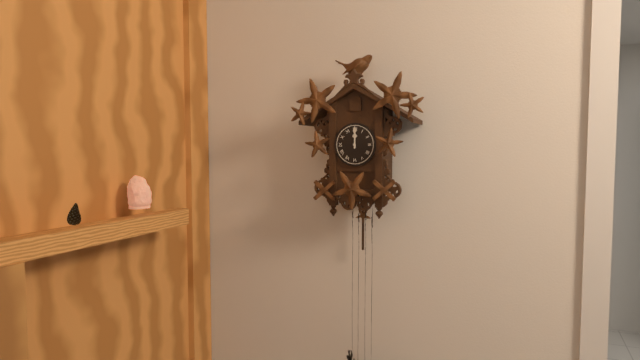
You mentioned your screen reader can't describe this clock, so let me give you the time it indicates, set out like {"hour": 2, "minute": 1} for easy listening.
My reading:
{"hour": 12, "minute": 0}
